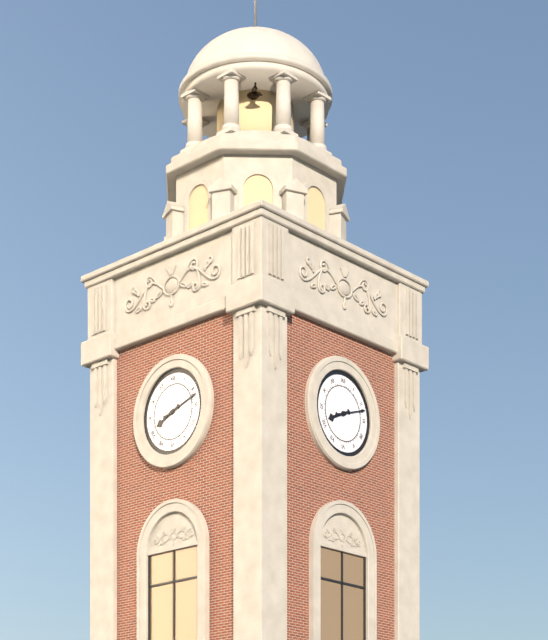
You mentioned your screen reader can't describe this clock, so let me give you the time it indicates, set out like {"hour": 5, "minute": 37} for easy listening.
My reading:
{"hour": 8, "minute": 12}
